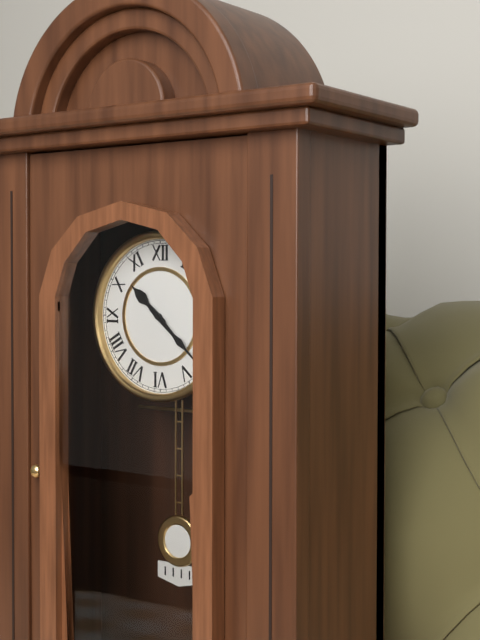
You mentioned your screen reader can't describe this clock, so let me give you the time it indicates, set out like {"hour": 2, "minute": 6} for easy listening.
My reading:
{"hour": 10, "minute": 22}
